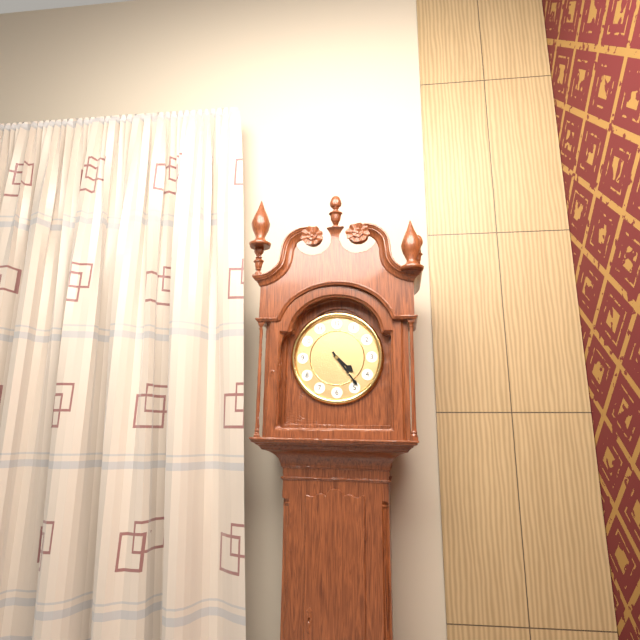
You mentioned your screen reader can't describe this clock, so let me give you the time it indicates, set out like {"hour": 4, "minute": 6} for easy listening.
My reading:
{"hour": 4, "minute": 24}
